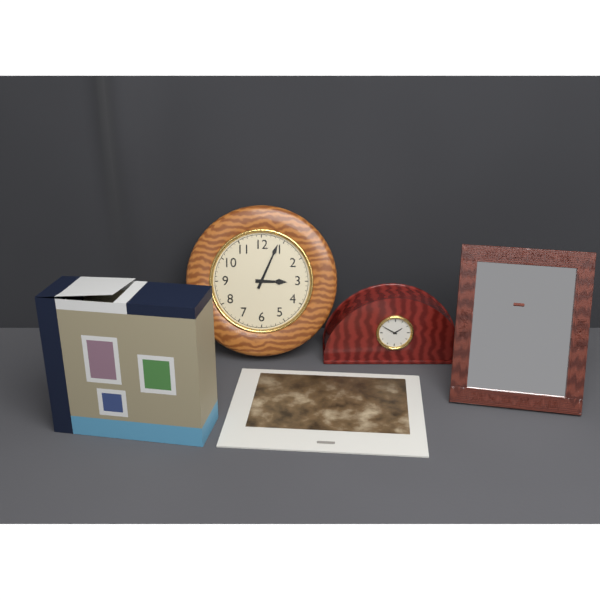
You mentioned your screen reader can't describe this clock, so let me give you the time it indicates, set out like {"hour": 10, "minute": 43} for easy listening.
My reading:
{"hour": 3, "minute": 4}
